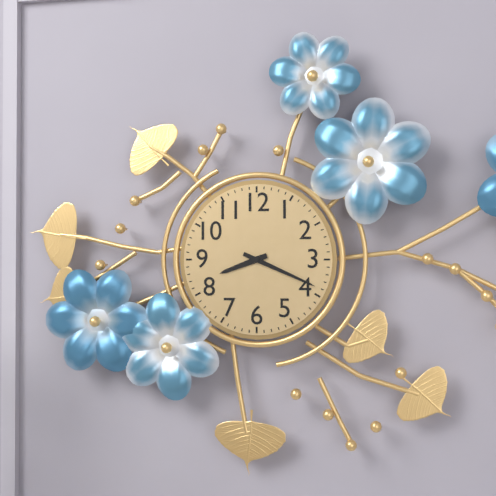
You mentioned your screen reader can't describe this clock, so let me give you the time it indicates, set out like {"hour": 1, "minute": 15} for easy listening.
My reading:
{"hour": 8, "minute": 19}
